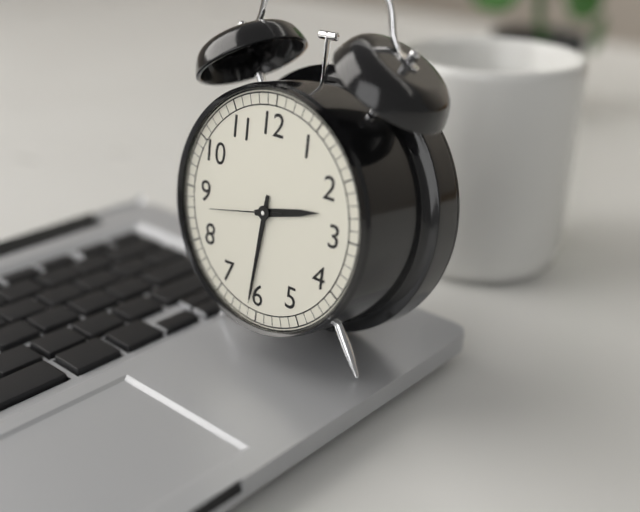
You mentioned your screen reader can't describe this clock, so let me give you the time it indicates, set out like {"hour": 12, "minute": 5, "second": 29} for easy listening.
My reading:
{"hour": 2, "minute": 31, "second": 43}
